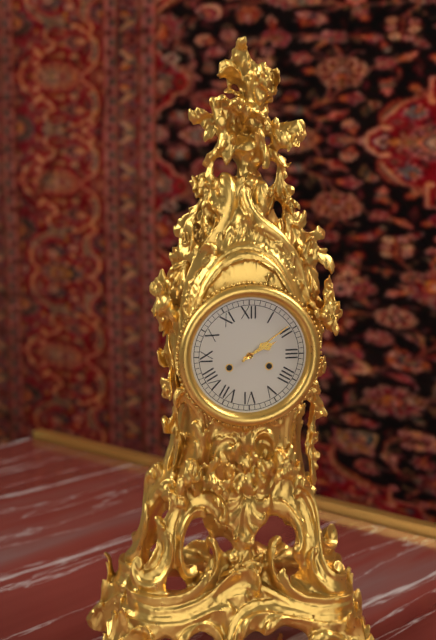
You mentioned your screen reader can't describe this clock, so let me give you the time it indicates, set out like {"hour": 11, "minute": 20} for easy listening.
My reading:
{"hour": 2, "minute": 9}
